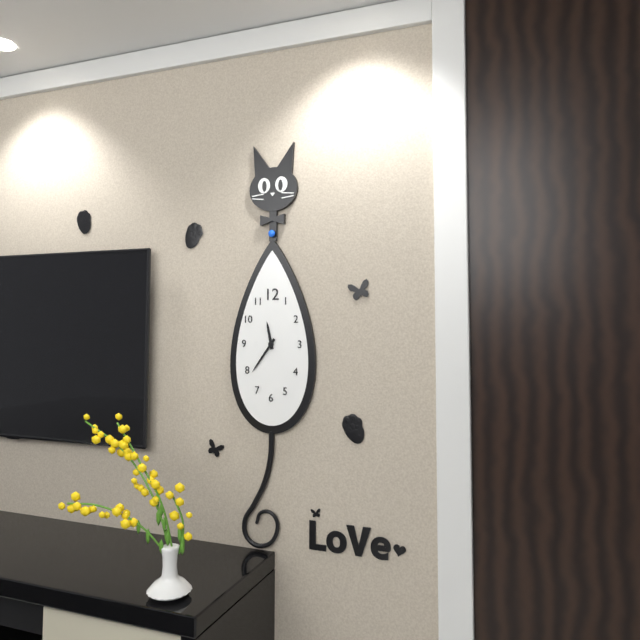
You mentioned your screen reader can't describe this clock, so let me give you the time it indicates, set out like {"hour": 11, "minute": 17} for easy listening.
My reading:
{"hour": 11, "minute": 36}
